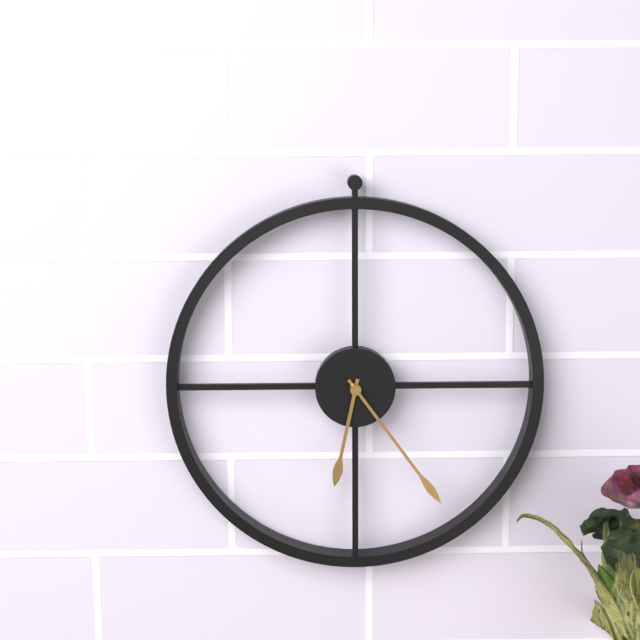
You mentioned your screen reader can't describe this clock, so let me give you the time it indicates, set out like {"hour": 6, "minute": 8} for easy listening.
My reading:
{"hour": 6, "minute": 24}
